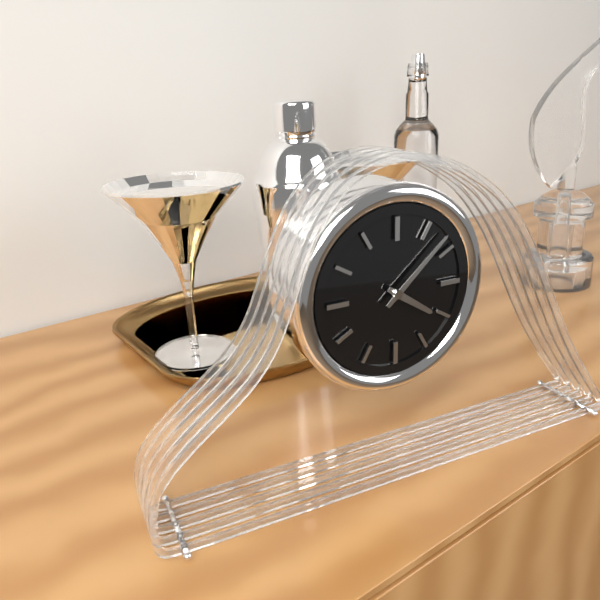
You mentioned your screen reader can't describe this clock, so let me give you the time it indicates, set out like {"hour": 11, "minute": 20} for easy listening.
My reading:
{"hour": 4, "minute": 8}
